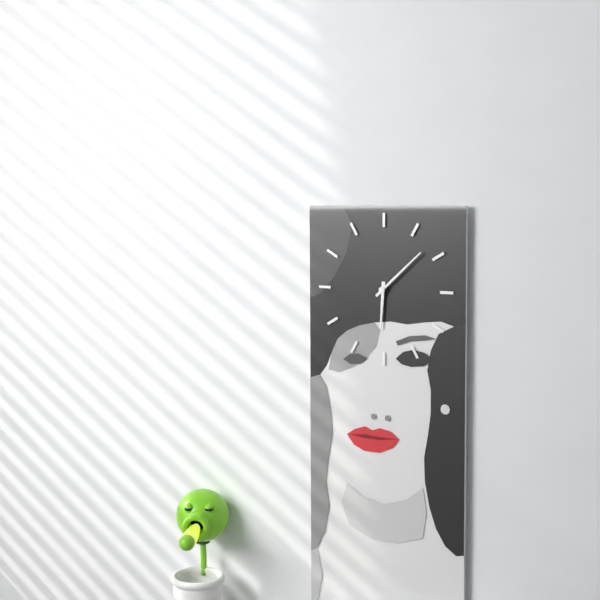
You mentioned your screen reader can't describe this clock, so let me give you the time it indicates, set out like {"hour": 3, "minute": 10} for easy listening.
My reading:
{"hour": 6, "minute": 8}
